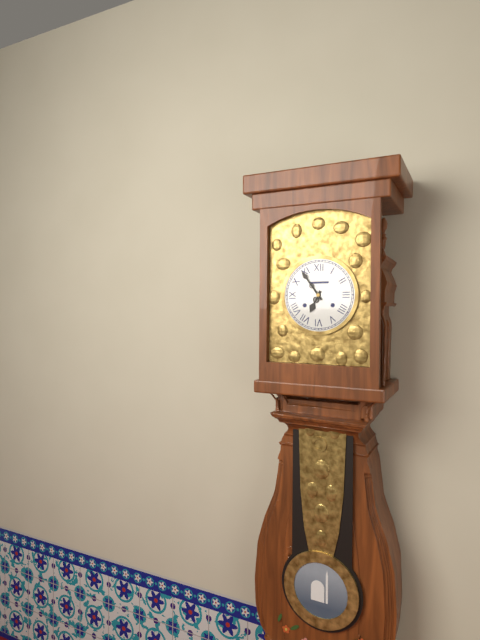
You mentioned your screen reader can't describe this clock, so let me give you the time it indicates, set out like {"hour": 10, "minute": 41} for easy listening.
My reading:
{"hour": 6, "minute": 54}
